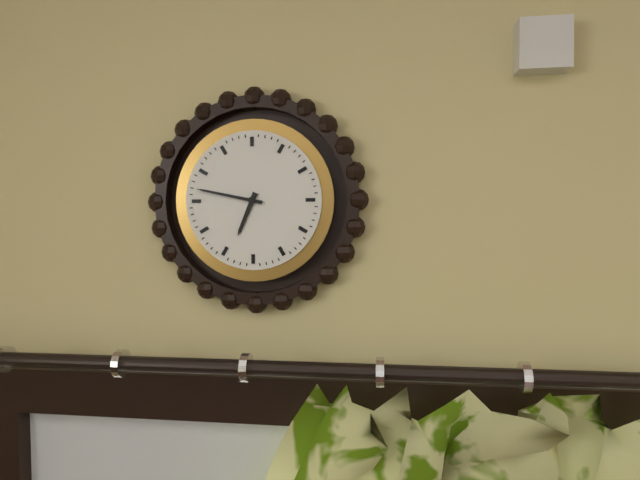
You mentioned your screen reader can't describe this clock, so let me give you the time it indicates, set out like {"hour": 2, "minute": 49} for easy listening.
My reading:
{"hour": 6, "minute": 47}
